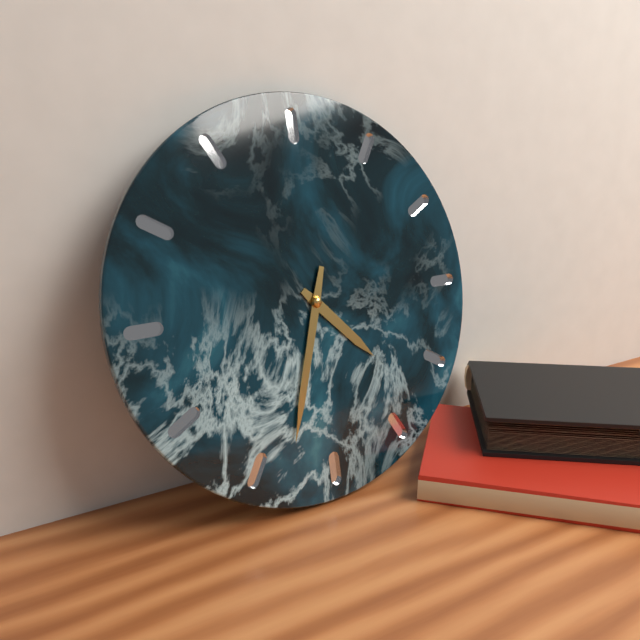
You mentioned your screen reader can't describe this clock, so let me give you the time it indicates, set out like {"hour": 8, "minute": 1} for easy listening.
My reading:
{"hour": 4, "minute": 33}
